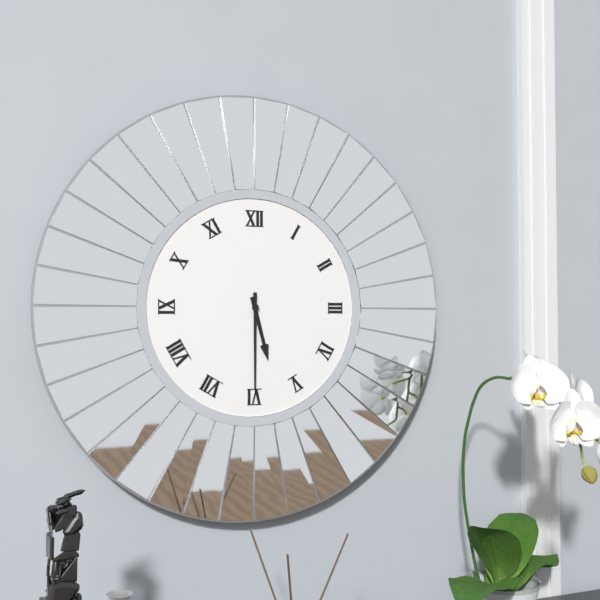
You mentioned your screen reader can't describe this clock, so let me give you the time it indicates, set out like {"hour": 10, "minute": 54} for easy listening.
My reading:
{"hour": 5, "minute": 30}
